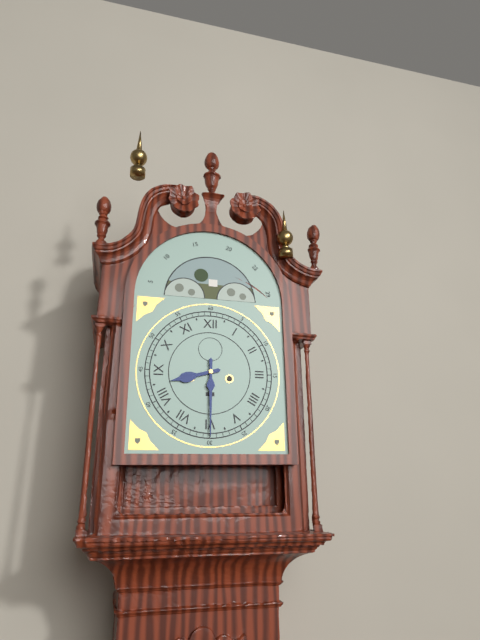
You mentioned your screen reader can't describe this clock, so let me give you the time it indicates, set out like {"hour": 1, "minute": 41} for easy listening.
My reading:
{"hour": 8, "minute": 30}
